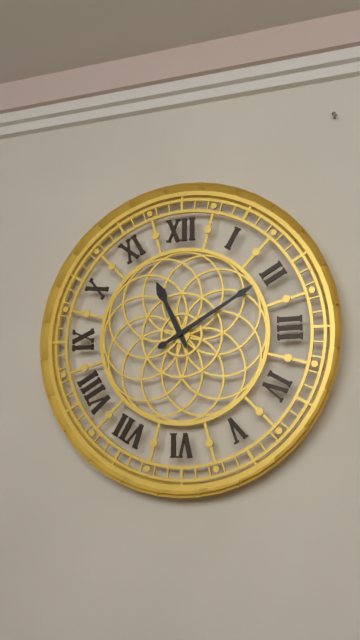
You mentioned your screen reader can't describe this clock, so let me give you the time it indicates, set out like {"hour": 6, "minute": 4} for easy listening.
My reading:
{"hour": 11, "minute": 10}
